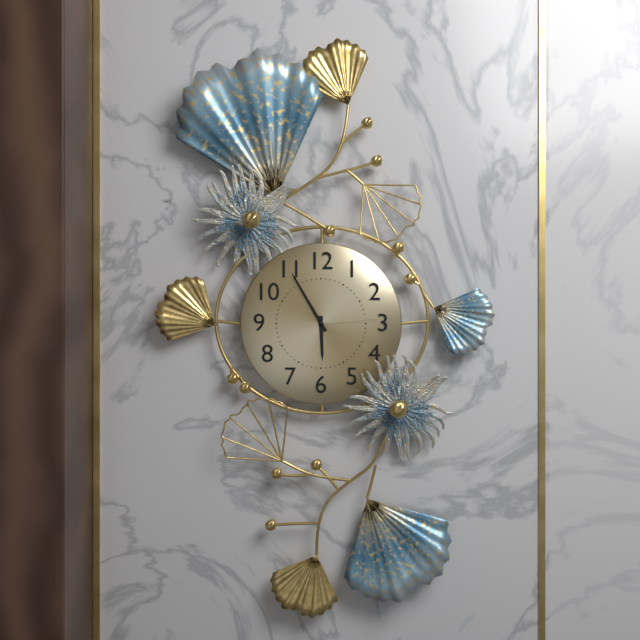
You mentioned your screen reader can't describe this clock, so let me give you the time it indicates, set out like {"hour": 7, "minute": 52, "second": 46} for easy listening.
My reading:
{"hour": 5, "minute": 55, "second": 14}
